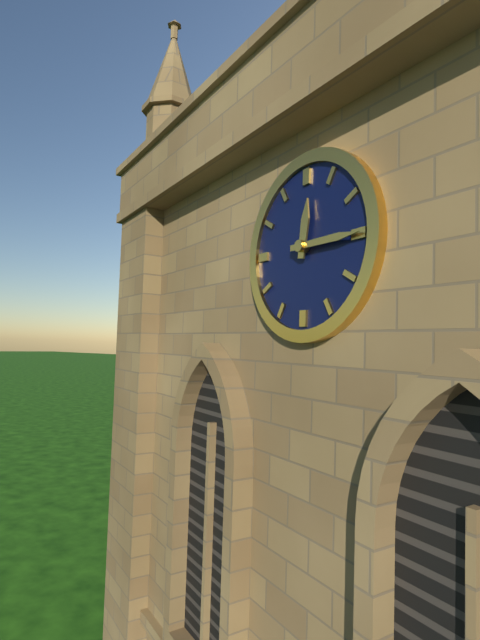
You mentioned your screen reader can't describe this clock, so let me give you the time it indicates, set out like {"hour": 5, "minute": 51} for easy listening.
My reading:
{"hour": 12, "minute": 15}
